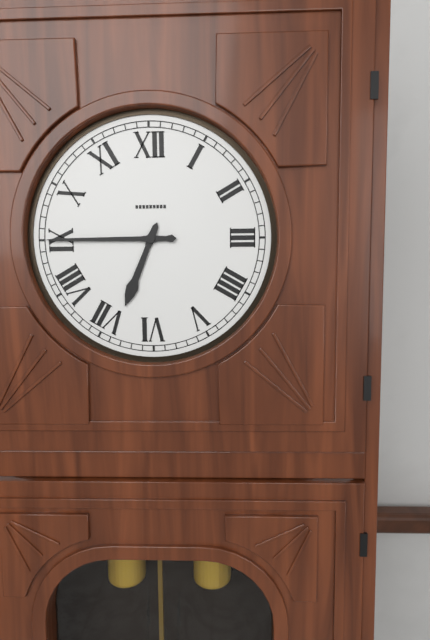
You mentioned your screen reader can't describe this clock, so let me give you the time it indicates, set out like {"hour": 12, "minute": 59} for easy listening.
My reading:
{"hour": 6, "minute": 45}
